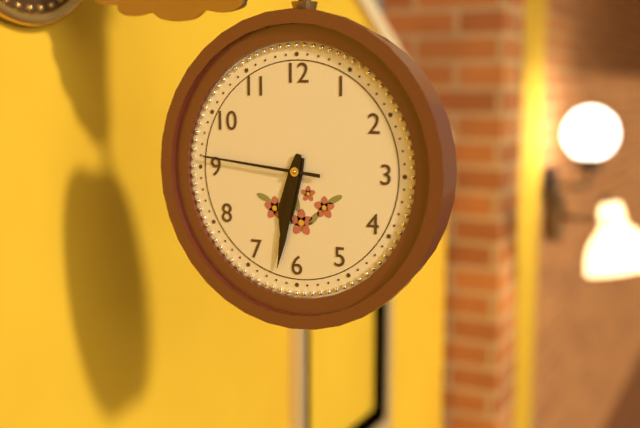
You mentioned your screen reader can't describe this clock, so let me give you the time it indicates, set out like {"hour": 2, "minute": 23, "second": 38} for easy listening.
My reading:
{"hour": 6, "minute": 32, "second": 46}
